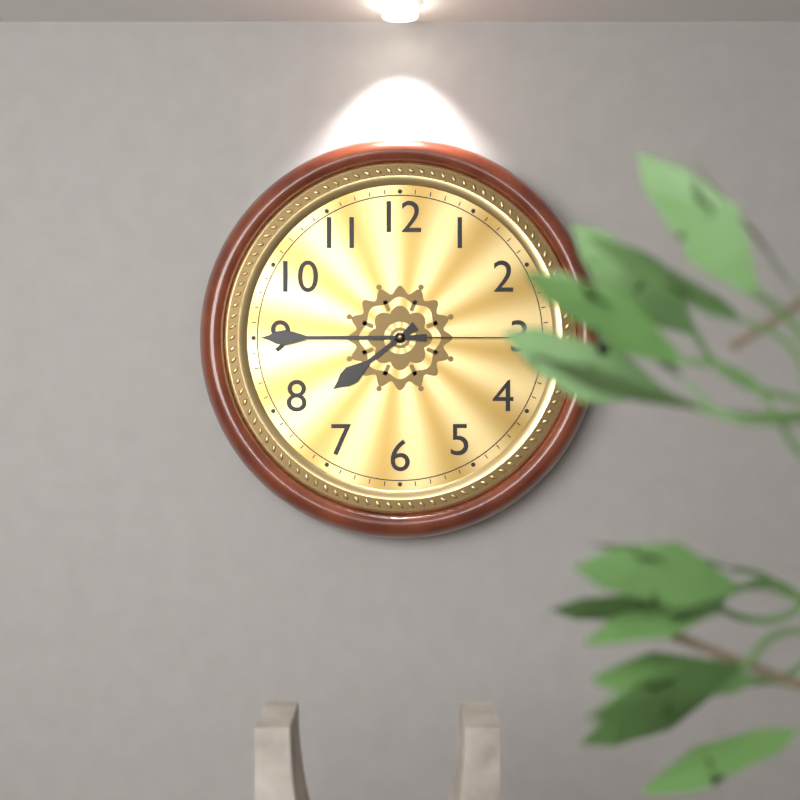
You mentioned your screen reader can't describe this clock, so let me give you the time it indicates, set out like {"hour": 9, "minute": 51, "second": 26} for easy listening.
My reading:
{"hour": 7, "minute": 45, "second": 15}
